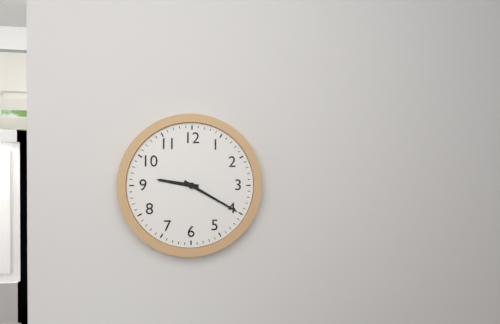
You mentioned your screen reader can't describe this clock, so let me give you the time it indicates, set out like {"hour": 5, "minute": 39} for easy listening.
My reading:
{"hour": 9, "minute": 20}
